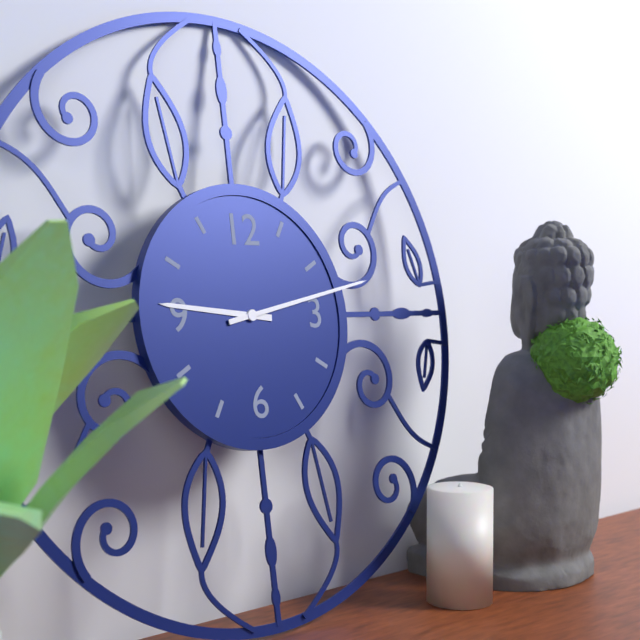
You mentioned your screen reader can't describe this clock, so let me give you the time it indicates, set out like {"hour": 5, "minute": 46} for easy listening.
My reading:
{"hour": 9, "minute": 13}
